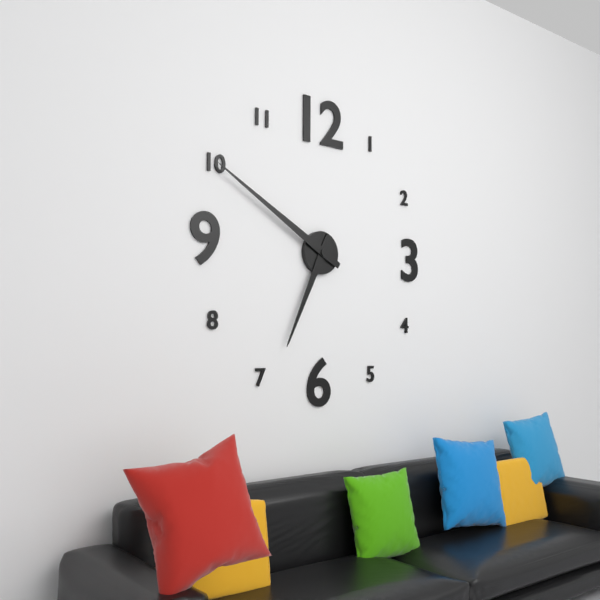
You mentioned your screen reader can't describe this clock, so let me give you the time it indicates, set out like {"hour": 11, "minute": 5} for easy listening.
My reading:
{"hour": 6, "minute": 50}
